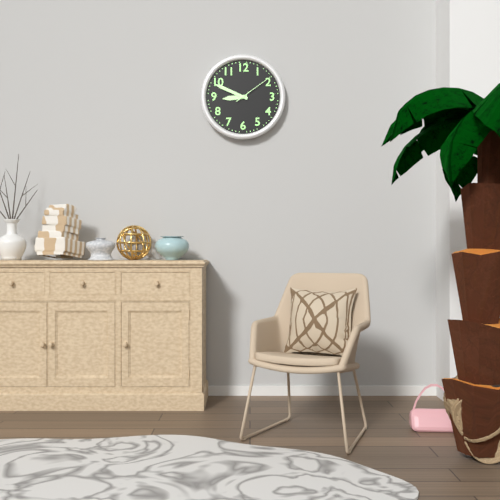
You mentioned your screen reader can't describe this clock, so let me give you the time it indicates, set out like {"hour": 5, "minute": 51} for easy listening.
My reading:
{"hour": 8, "minute": 49}
